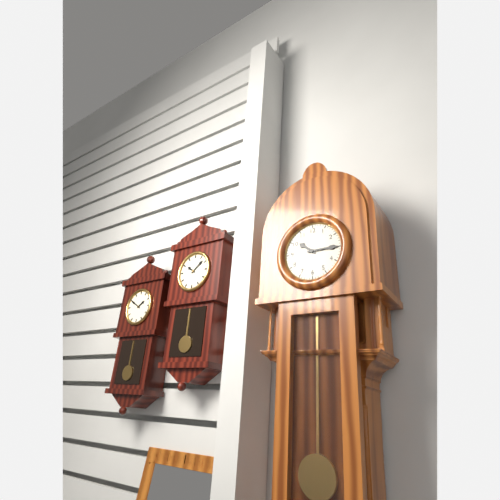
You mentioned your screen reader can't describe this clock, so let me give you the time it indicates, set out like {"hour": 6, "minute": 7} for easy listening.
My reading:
{"hour": 10, "minute": 15}
